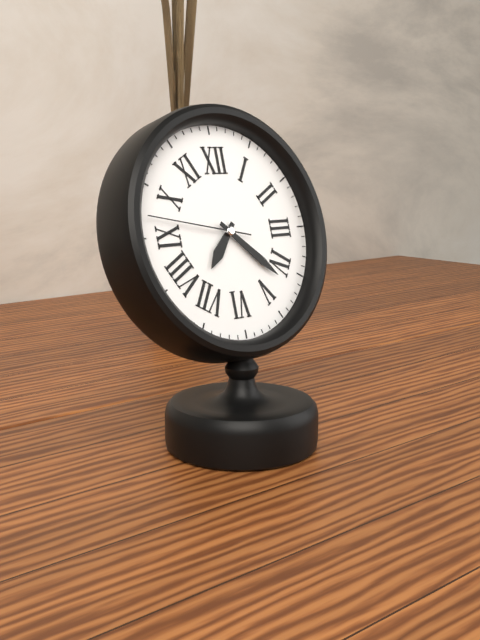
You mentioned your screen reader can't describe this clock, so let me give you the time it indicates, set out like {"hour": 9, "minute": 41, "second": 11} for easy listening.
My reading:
{"hour": 7, "minute": 22, "second": 47}
